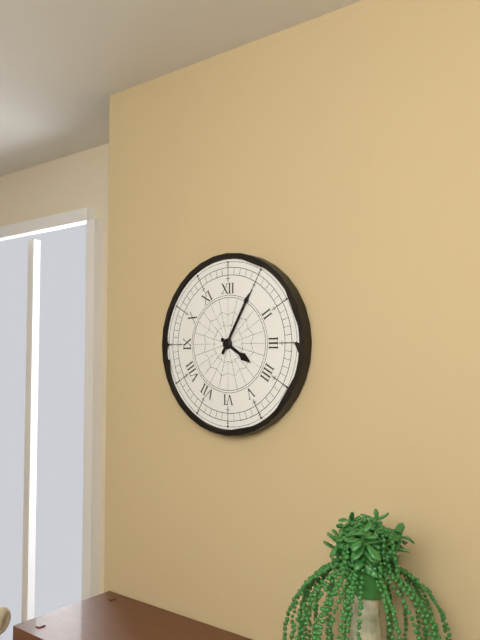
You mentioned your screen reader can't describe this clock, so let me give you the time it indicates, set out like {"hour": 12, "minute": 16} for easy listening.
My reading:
{"hour": 4, "minute": 5}
